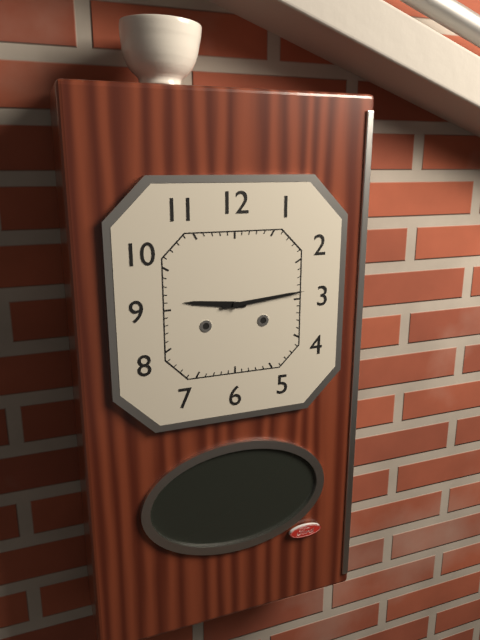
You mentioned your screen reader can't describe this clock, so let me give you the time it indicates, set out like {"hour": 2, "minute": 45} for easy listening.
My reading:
{"hour": 9, "minute": 14}
